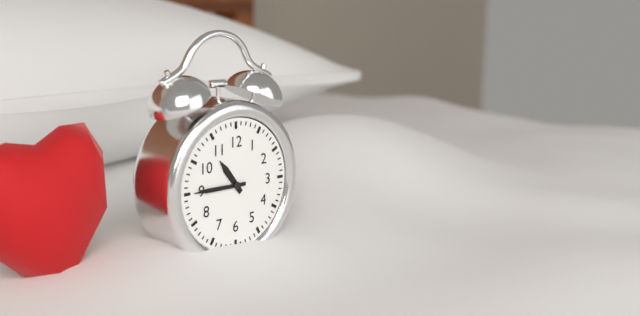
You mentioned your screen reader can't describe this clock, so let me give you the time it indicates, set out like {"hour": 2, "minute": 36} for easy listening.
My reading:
{"hour": 10, "minute": 45}
